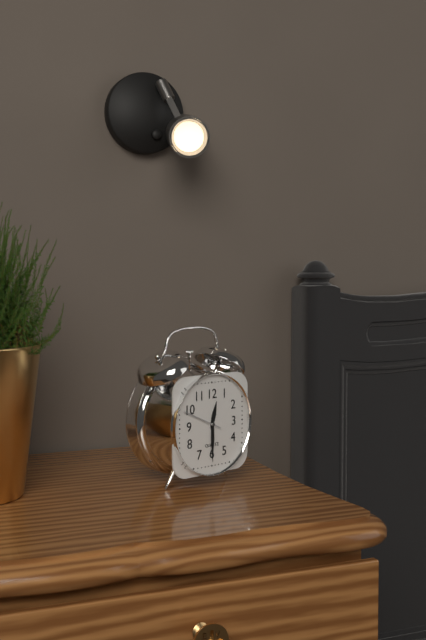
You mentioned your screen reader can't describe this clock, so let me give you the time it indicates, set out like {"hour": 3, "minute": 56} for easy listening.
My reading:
{"hour": 12, "minute": 30}
